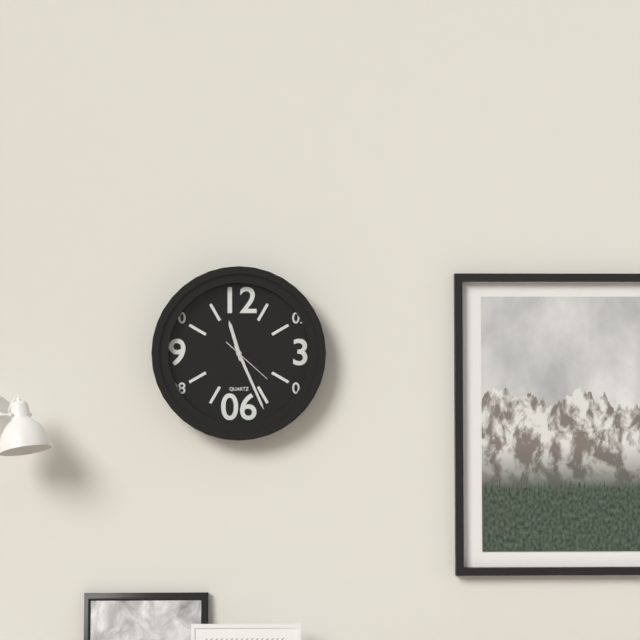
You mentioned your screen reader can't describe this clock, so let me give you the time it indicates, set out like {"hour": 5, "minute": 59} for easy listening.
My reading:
{"hour": 11, "minute": 26}
